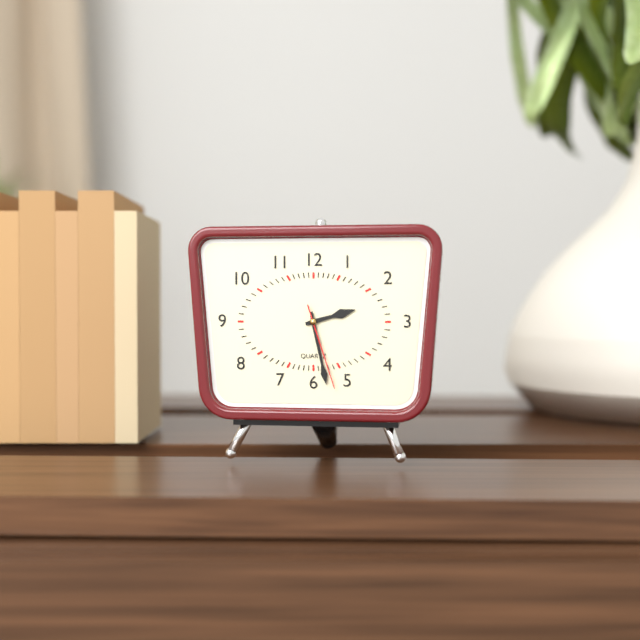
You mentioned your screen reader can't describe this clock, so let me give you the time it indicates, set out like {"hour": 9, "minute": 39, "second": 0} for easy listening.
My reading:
{"hour": 2, "minute": 28, "second": 27}
